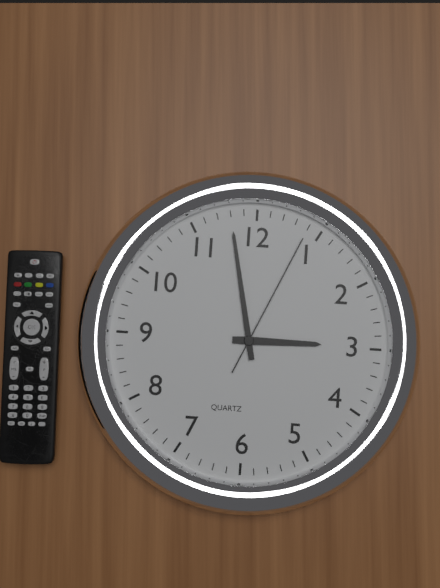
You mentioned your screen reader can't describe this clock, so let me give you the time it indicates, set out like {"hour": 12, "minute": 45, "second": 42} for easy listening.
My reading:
{"hour": 2, "minute": 58, "second": 4}
